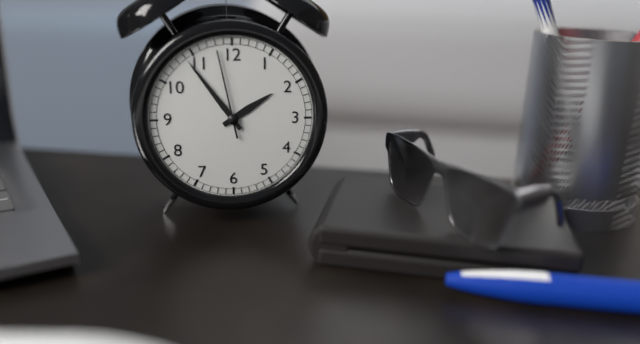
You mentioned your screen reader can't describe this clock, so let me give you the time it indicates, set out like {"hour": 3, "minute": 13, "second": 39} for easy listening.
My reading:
{"hour": 1, "minute": 54, "second": 58}
